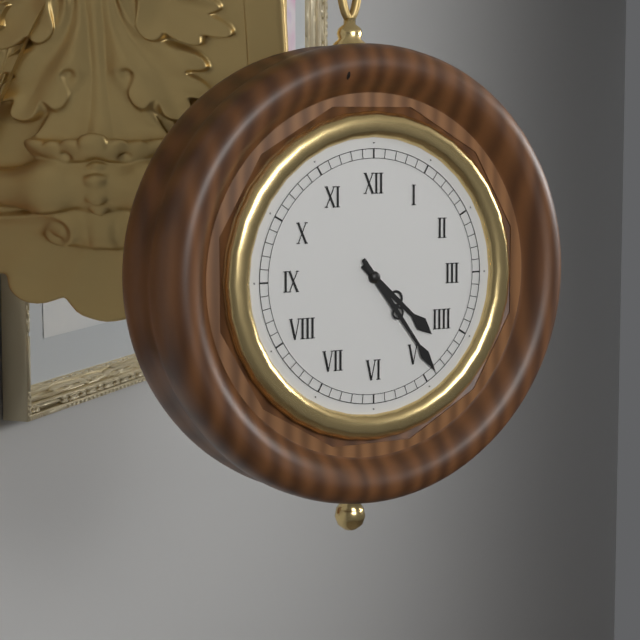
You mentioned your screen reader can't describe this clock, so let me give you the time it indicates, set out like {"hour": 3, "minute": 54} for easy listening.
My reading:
{"hour": 4, "minute": 24}
